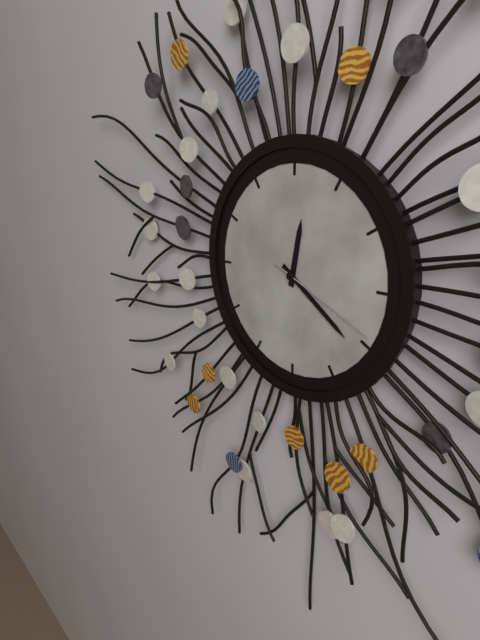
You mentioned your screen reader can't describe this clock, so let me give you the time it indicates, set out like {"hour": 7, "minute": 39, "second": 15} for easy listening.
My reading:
{"hour": 12, "minute": 21, "second": 19}
